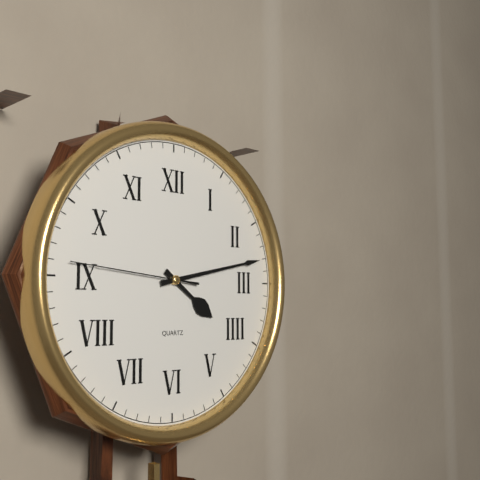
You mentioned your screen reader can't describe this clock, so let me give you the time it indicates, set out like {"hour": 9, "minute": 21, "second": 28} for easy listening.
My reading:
{"hour": 4, "minute": 13, "second": 46}
